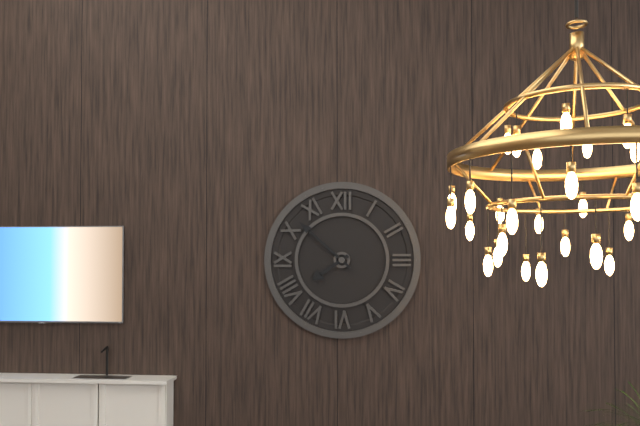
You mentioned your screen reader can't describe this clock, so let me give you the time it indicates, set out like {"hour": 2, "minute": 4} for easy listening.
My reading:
{"hour": 7, "minute": 52}
